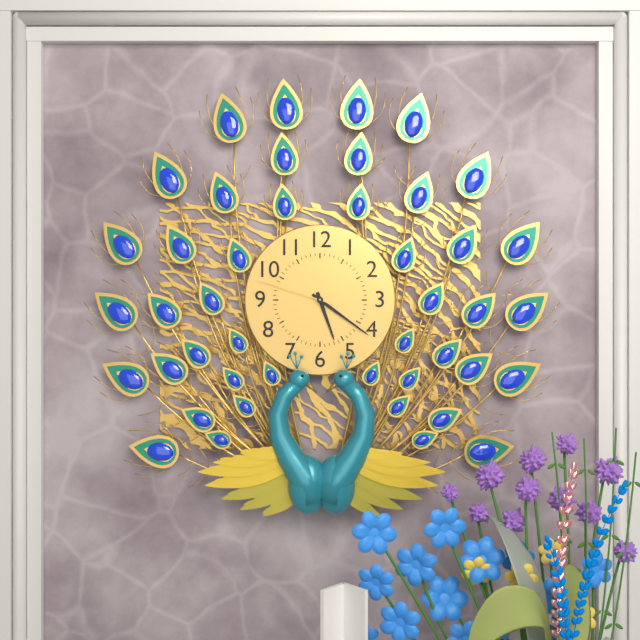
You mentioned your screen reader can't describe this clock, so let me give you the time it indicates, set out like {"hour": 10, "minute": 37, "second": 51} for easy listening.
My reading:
{"hour": 5, "minute": 21, "second": 48}
